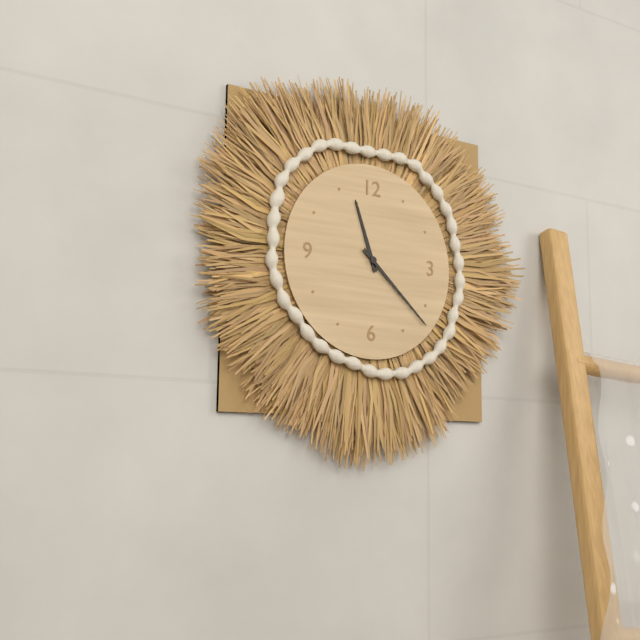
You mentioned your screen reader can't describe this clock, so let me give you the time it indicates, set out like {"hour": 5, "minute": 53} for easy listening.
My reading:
{"hour": 11, "minute": 22}
